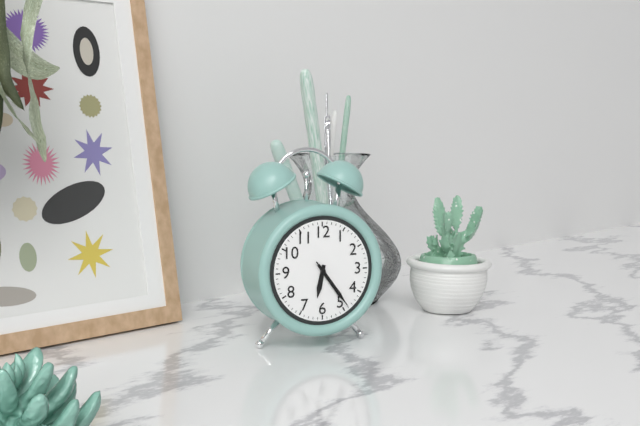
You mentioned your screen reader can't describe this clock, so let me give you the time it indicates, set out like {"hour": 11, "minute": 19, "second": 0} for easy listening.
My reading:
{"hour": 6, "minute": 24, "second": 24}
